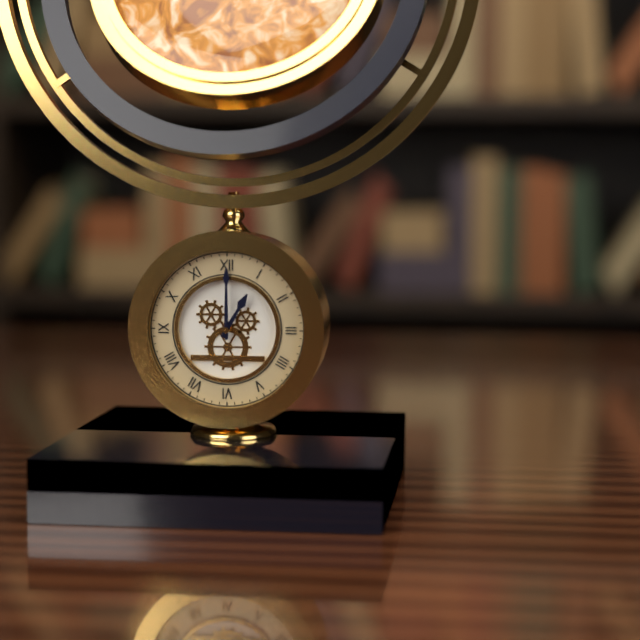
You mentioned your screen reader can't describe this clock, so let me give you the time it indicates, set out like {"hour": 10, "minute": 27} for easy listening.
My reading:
{"hour": 1, "minute": 0}
